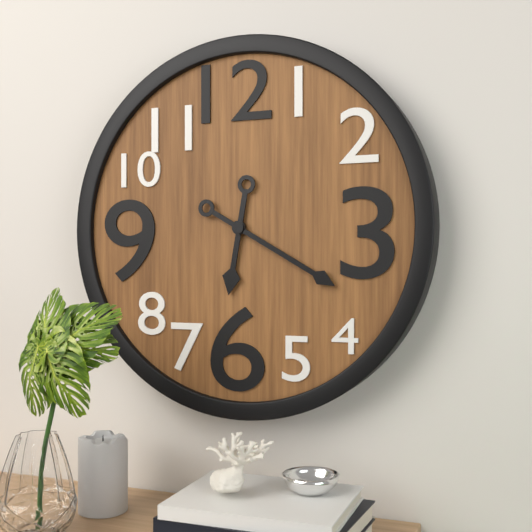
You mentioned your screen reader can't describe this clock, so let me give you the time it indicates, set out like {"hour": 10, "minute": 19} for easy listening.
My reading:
{"hour": 6, "minute": 20}
